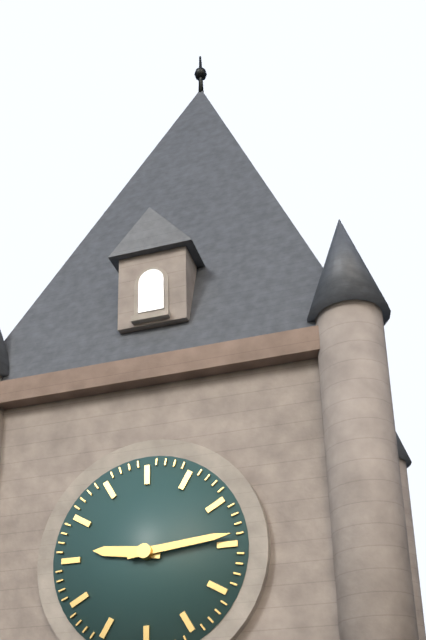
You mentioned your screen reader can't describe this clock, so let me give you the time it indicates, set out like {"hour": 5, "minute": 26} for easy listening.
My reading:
{"hour": 9, "minute": 14}
